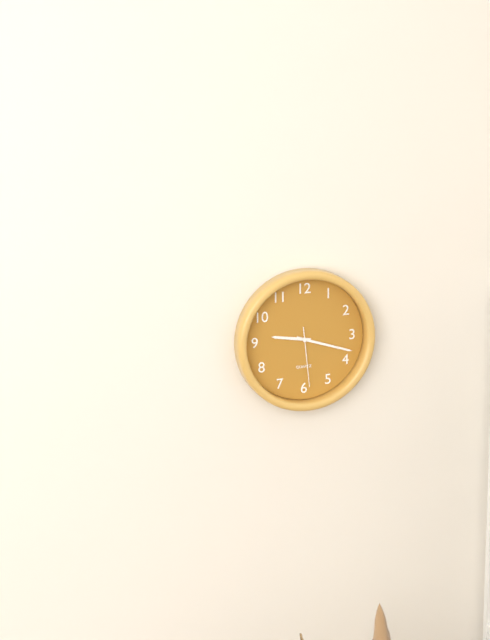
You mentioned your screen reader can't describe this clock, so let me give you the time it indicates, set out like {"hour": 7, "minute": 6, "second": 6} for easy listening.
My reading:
{"hour": 9, "minute": 18, "second": 29}
